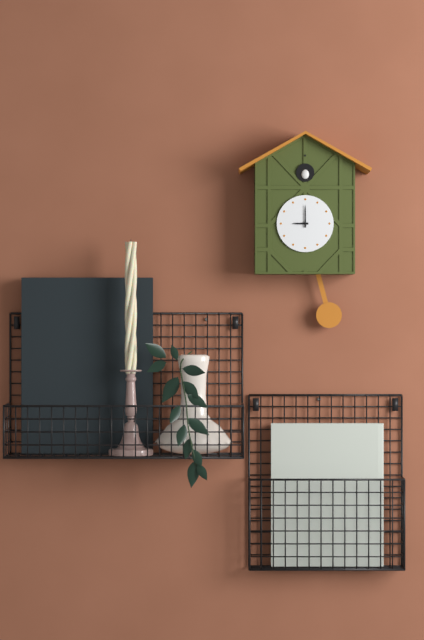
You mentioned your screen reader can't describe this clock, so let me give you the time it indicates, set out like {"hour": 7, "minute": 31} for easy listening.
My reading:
{"hour": 9, "minute": 0}
